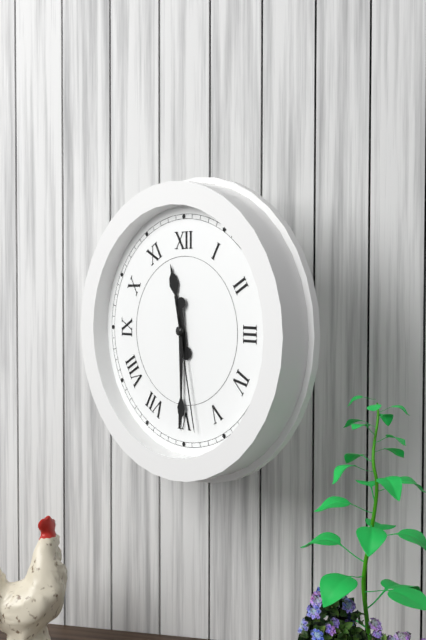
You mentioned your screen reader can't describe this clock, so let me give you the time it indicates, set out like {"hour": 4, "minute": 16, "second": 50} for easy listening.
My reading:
{"hour": 11, "minute": 30, "second": 28}
